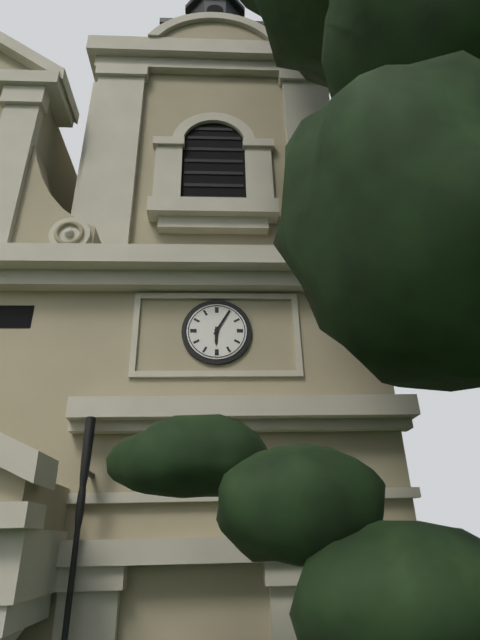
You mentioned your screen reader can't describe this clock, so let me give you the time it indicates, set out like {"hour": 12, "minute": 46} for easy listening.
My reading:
{"hour": 6, "minute": 5}
